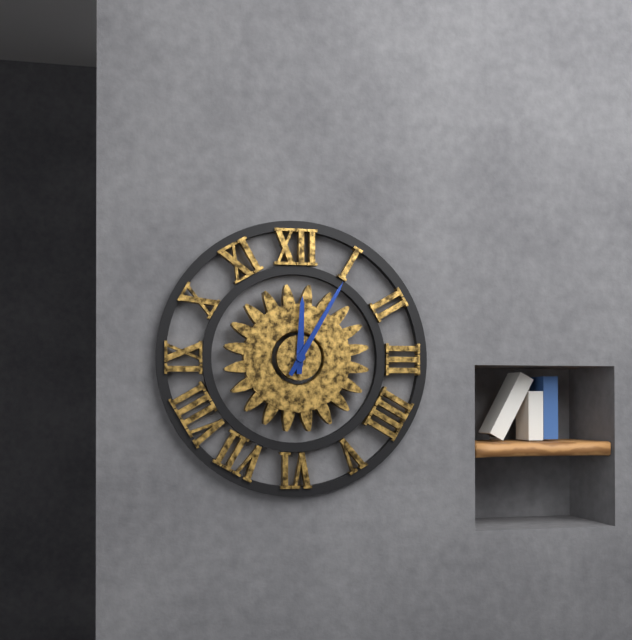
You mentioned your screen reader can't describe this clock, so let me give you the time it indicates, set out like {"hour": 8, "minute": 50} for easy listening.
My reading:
{"hour": 12, "minute": 5}
